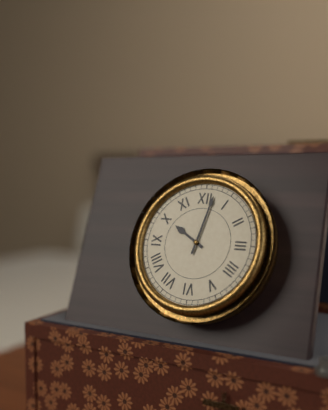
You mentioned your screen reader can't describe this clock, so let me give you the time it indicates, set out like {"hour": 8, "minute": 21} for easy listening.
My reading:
{"hour": 10, "minute": 2}
